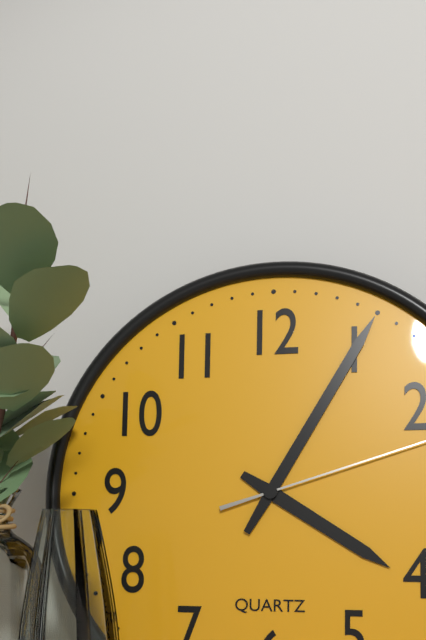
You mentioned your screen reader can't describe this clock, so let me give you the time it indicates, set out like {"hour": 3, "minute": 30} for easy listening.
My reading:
{"hour": 4, "minute": 5}
